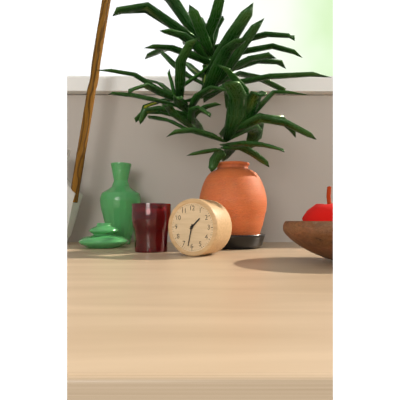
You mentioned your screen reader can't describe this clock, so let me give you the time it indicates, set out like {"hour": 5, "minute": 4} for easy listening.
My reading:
{"hour": 1, "minute": 32}
